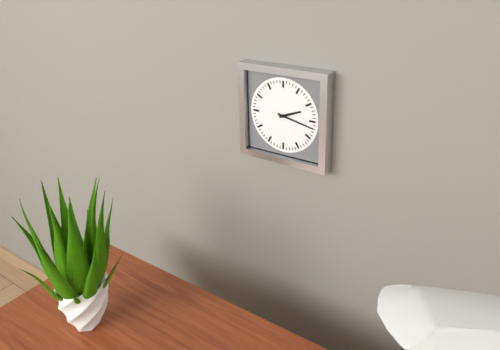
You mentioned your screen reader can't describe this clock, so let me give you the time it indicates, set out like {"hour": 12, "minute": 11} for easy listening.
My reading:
{"hour": 2, "minute": 17}
